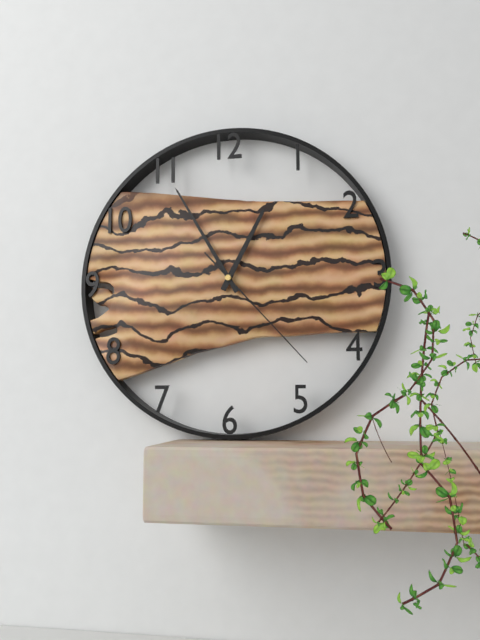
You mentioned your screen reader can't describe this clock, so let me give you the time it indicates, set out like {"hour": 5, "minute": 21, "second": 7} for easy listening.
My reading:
{"hour": 12, "minute": 55, "second": 23}
